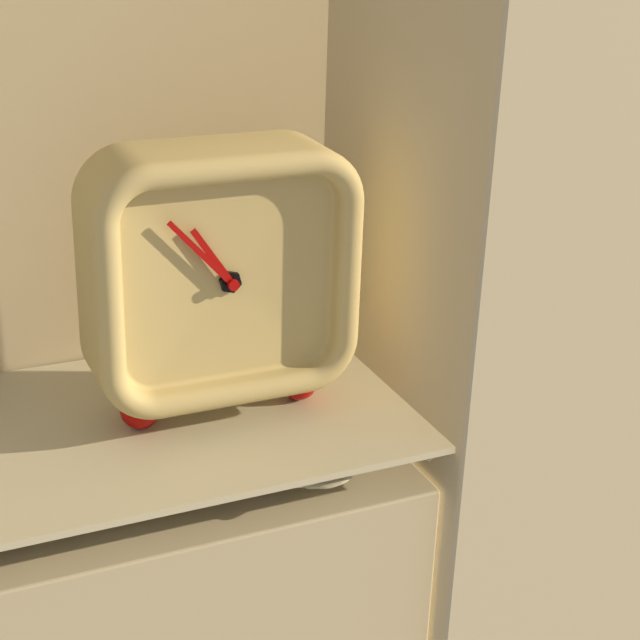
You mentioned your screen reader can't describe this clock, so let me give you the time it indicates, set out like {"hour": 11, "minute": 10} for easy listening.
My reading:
{"hour": 10, "minute": 53}
